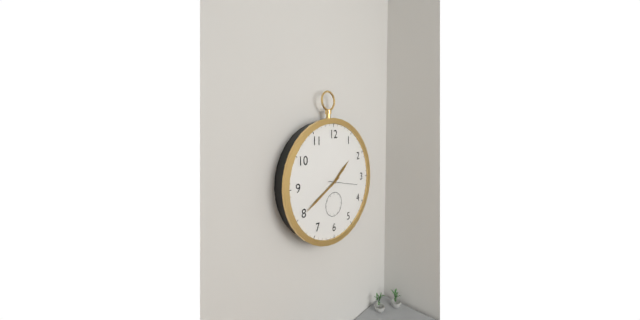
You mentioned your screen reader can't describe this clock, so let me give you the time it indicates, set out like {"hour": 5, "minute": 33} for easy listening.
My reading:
{"hour": 1, "minute": 40}
